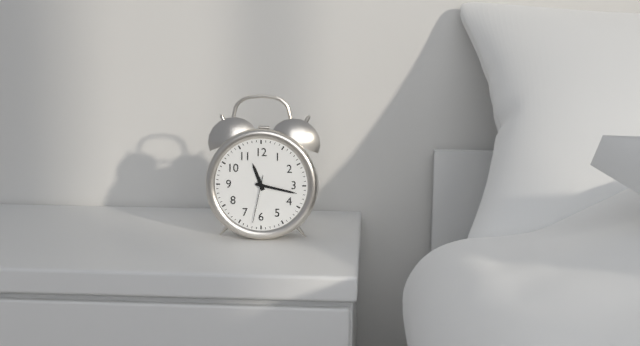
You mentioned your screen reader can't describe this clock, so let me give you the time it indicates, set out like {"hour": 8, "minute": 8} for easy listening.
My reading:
{"hour": 11, "minute": 17}
